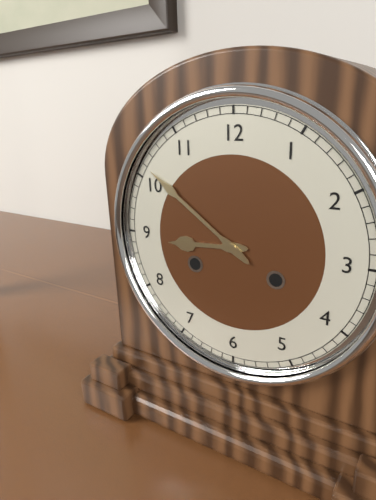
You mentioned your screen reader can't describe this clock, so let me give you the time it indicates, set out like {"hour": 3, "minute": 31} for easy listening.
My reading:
{"hour": 8, "minute": 51}
